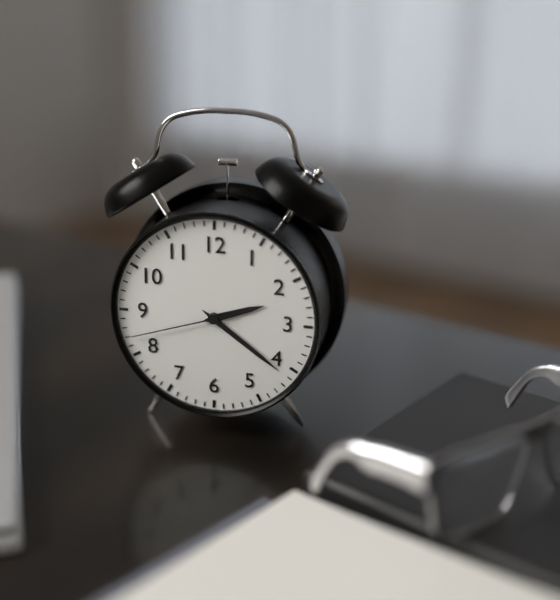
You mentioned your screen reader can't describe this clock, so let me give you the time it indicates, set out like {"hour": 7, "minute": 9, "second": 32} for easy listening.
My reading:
{"hour": 2, "minute": 21, "second": 42}
